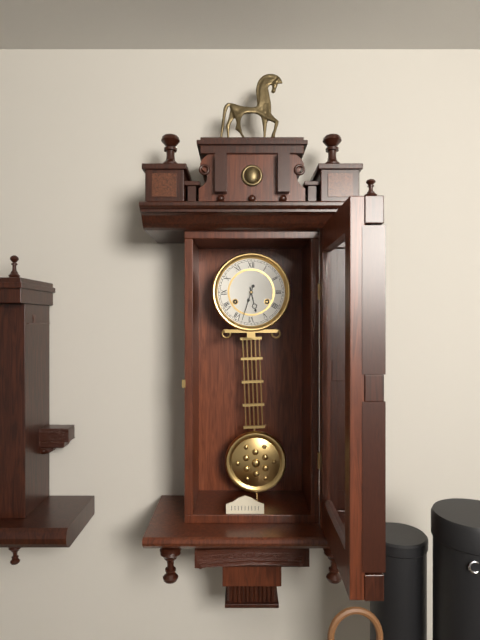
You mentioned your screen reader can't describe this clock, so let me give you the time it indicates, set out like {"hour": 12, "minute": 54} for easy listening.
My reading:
{"hour": 5, "minute": 33}
